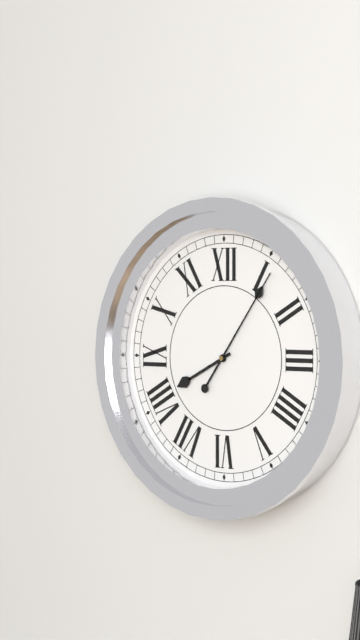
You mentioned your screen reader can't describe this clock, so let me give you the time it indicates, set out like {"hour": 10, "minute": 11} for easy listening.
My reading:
{"hour": 8, "minute": 6}
